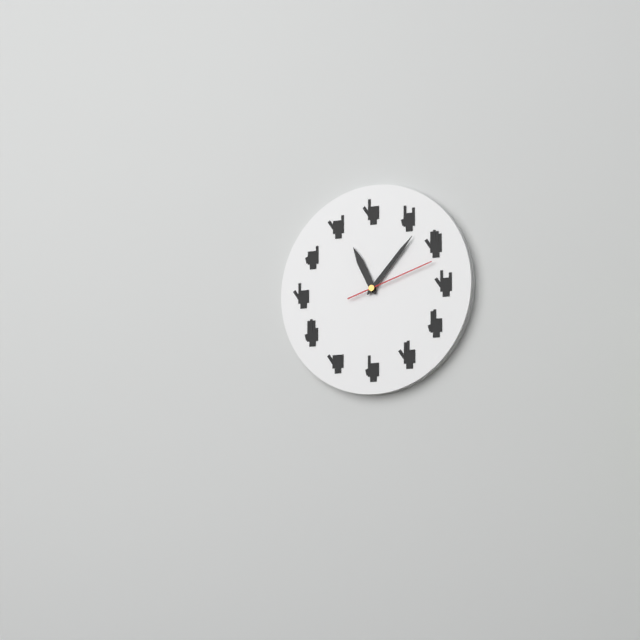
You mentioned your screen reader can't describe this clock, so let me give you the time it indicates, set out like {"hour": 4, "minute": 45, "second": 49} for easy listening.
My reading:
{"hour": 11, "minute": 7, "second": 12}
